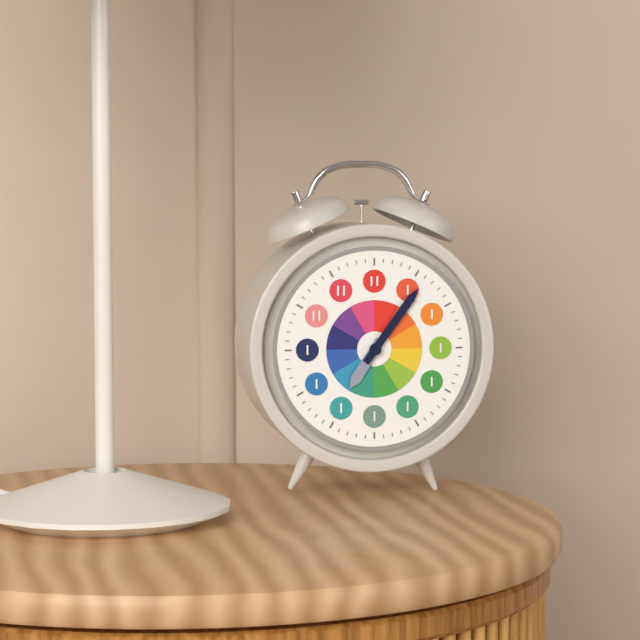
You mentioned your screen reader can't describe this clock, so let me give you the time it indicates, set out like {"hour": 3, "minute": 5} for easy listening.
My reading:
{"hour": 7, "minute": 6}
